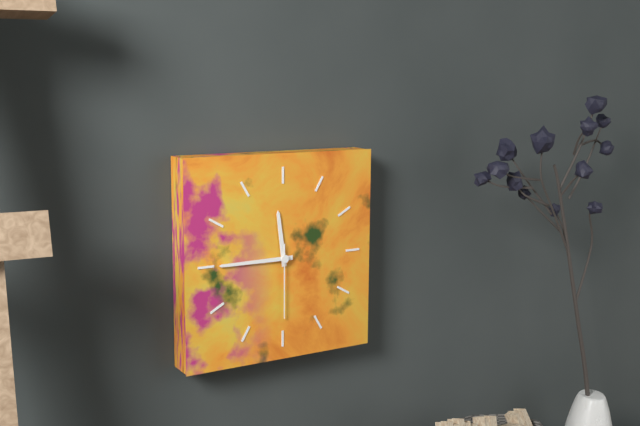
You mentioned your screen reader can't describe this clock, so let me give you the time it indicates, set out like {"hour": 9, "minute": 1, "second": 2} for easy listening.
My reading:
{"hour": 11, "minute": 45, "second": 30}
